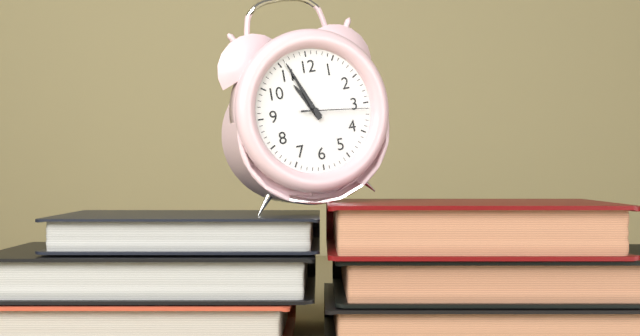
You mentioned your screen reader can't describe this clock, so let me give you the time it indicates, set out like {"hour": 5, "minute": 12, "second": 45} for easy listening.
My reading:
{"hour": 10, "minute": 56, "second": 16}
